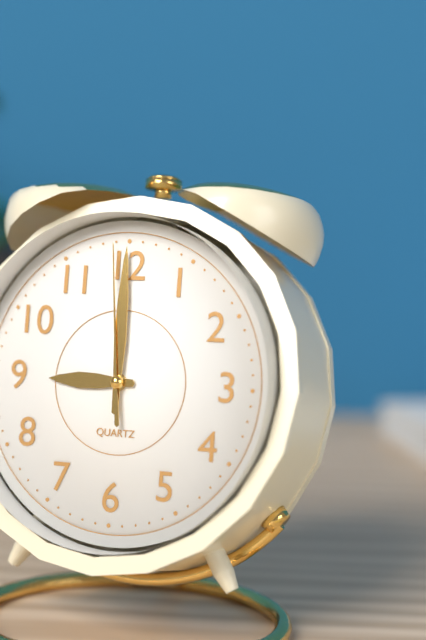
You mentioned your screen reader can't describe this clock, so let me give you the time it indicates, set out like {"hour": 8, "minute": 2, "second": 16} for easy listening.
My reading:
{"hour": 9, "minute": 0, "second": 59}
